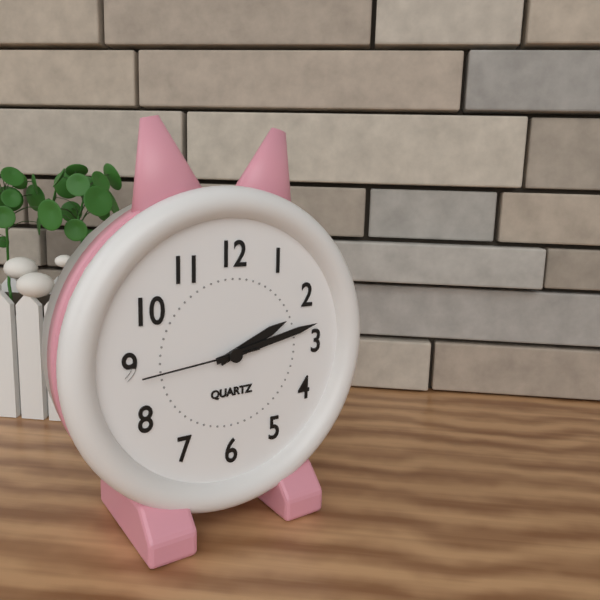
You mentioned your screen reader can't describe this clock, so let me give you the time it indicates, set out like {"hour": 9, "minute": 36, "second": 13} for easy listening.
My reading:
{"hour": 2, "minute": 13, "second": 44}
